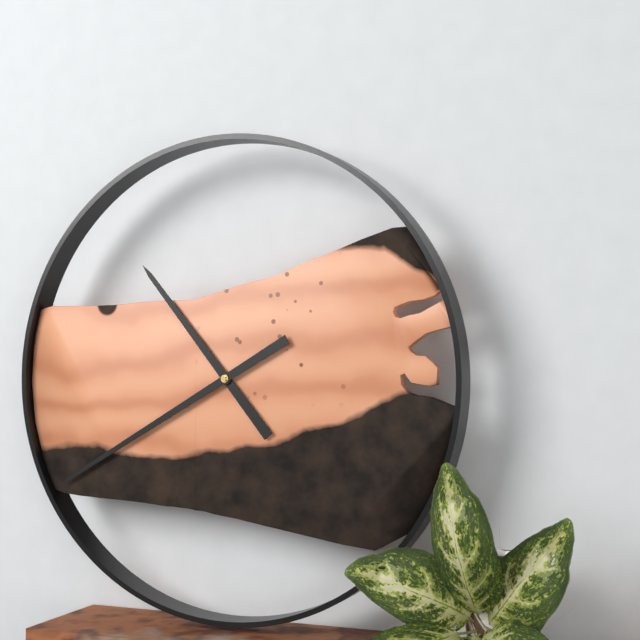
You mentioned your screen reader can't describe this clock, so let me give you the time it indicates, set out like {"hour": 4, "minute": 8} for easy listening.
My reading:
{"hour": 10, "minute": 40}
